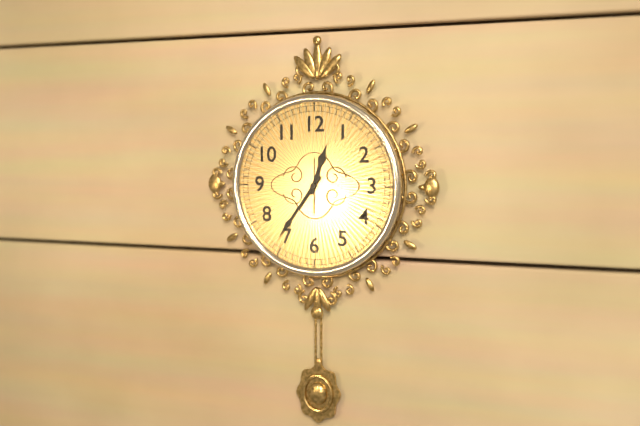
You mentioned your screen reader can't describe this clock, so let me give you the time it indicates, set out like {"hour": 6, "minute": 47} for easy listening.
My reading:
{"hour": 12, "minute": 36}
